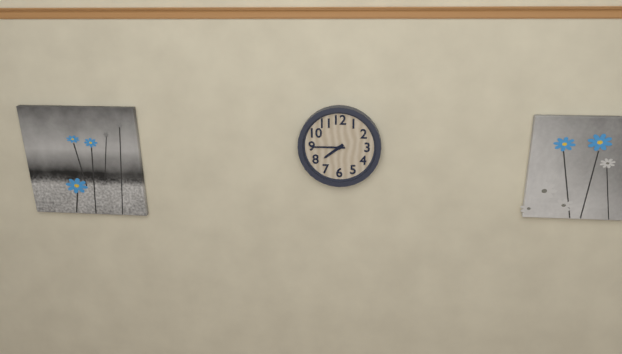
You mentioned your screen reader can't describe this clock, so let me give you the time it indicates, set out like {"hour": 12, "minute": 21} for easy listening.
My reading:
{"hour": 7, "minute": 45}
